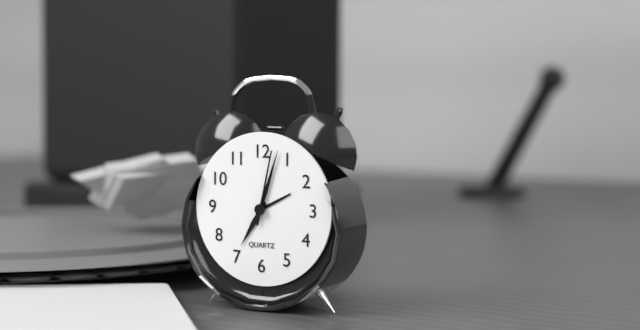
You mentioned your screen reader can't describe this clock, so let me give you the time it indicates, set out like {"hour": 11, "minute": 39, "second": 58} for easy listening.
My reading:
{"hour": 7, "minute": 3, "second": 2}
